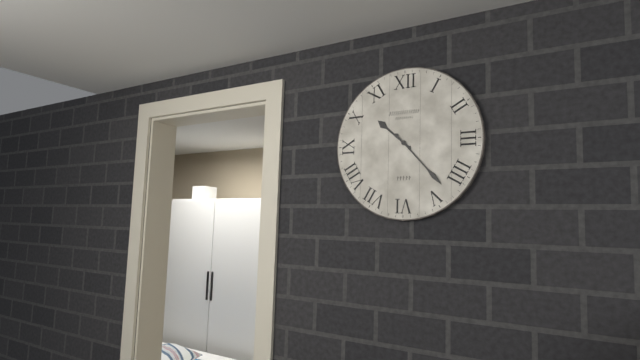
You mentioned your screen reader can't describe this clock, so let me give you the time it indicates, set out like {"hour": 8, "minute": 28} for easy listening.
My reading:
{"hour": 10, "minute": 23}
